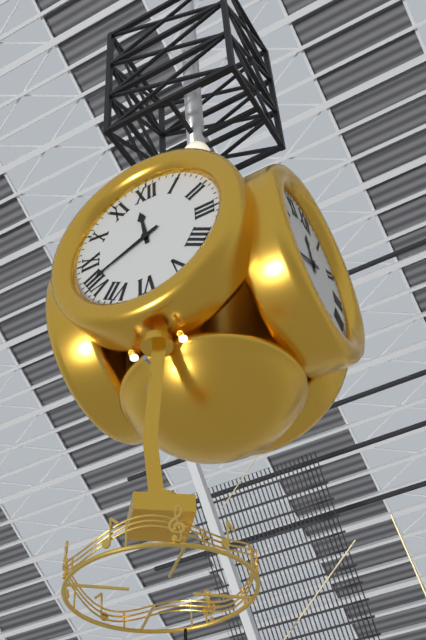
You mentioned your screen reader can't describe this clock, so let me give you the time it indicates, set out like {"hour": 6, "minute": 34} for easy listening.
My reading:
{"hour": 11, "minute": 41}
